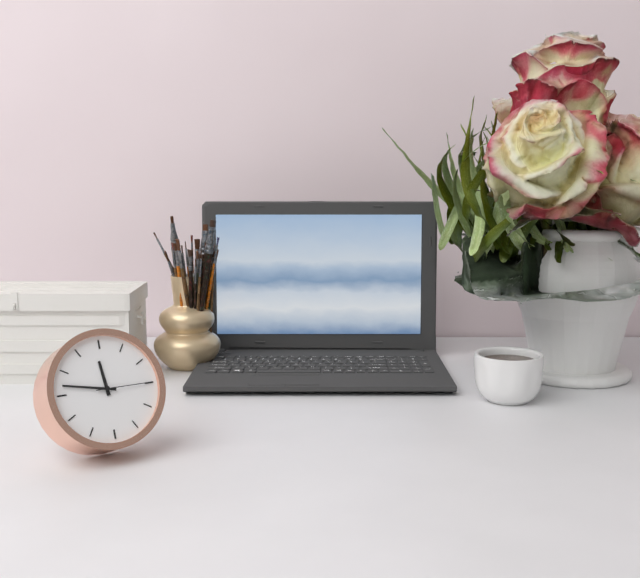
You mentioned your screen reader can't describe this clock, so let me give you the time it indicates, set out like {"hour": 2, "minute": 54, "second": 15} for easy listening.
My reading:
{"hour": 11, "minute": 47, "second": 15}
